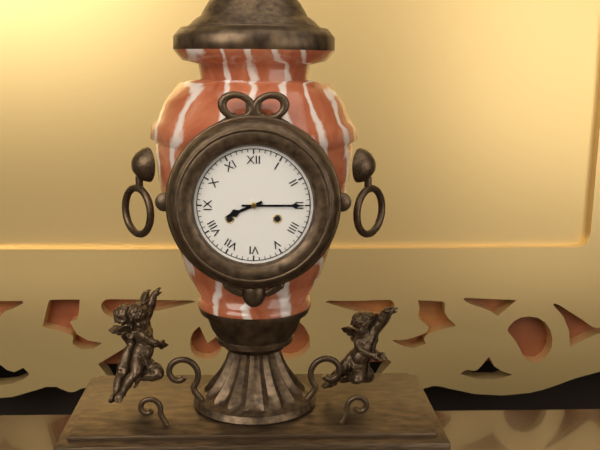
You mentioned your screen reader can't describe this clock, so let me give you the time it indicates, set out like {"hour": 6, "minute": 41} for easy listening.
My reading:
{"hour": 8, "minute": 15}
